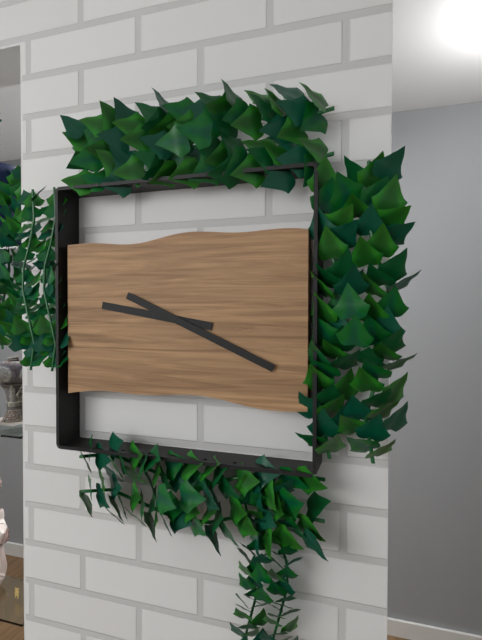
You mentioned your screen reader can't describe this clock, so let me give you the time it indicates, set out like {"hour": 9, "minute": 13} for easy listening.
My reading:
{"hour": 9, "minute": 19}
